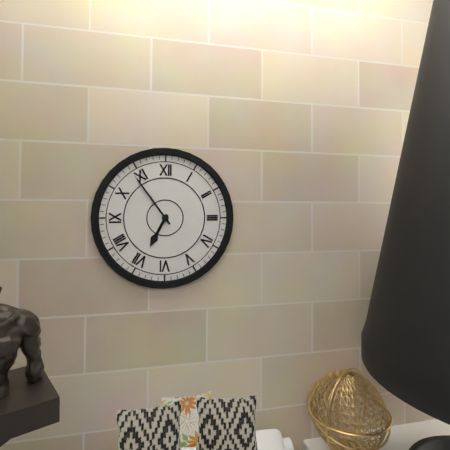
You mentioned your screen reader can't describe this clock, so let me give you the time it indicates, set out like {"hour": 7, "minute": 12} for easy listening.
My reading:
{"hour": 6, "minute": 54}
